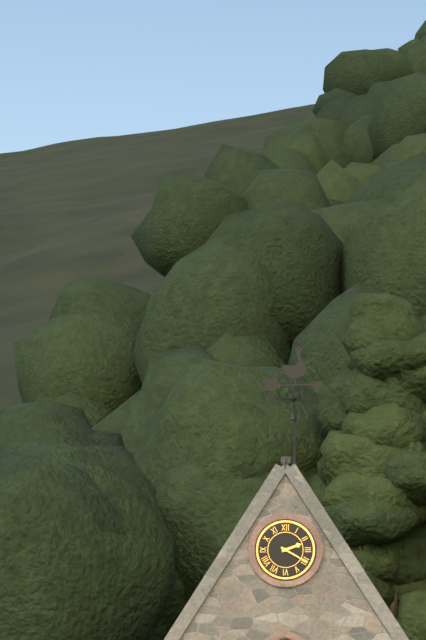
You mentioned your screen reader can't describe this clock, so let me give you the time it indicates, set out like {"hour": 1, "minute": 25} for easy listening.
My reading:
{"hour": 2, "minute": 20}
